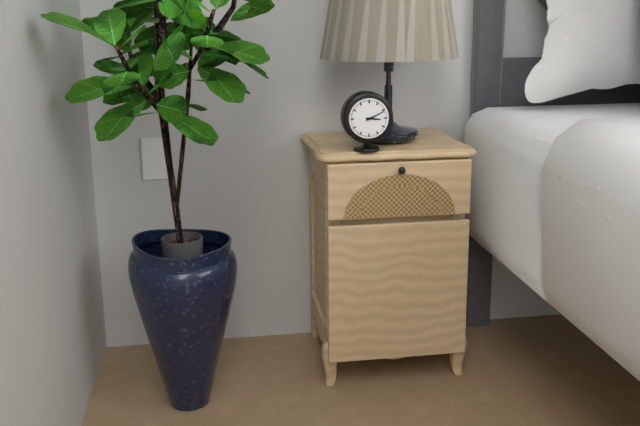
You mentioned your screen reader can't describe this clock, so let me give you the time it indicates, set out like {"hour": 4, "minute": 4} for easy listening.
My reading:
{"hour": 3, "minute": 11}
